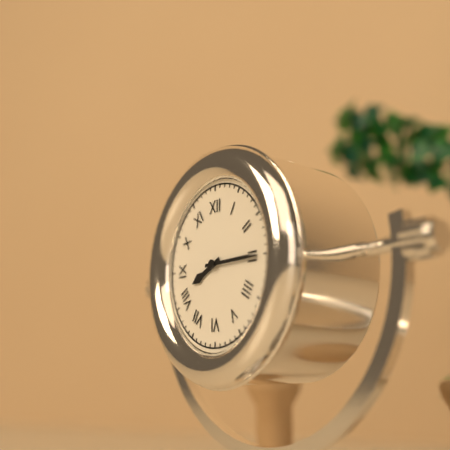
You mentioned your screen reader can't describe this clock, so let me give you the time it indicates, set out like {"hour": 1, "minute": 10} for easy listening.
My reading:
{"hour": 8, "minute": 15}
